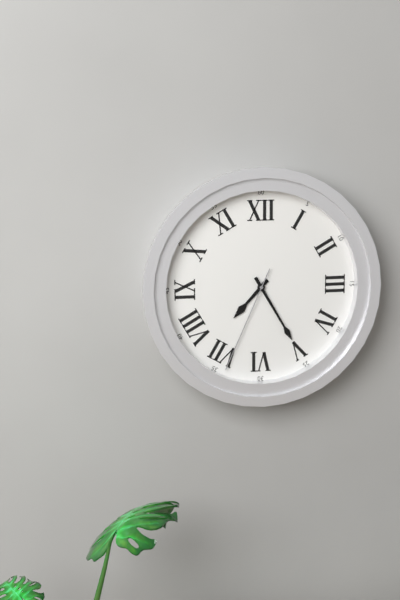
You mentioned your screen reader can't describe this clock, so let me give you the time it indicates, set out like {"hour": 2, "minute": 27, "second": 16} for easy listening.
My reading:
{"hour": 7, "minute": 25, "second": 34}
